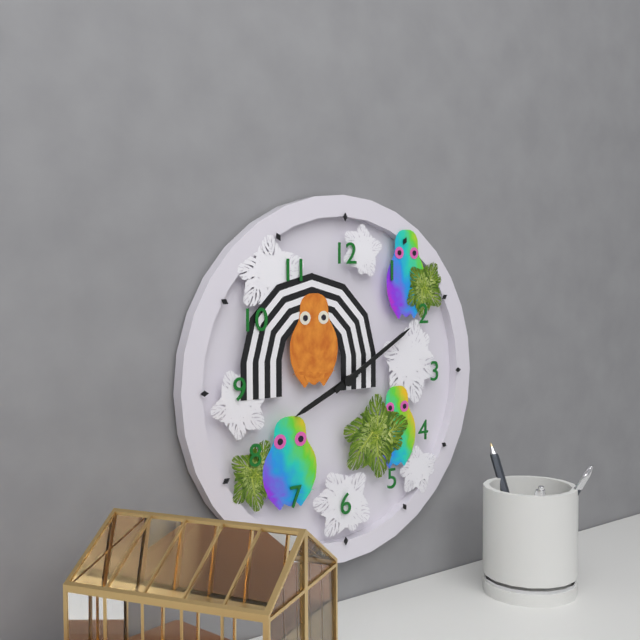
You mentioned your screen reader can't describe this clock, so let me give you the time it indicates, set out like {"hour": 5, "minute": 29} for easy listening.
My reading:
{"hour": 8, "minute": 10}
